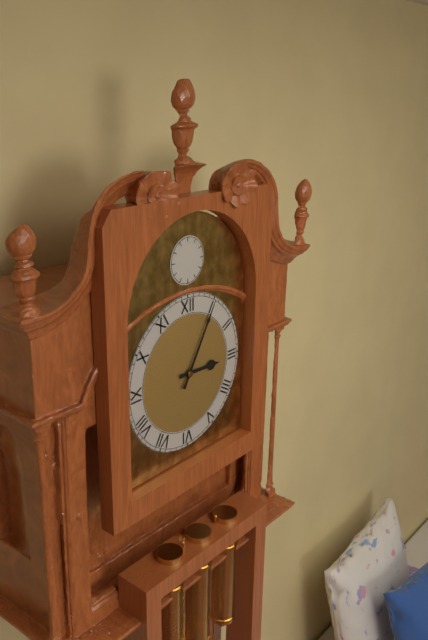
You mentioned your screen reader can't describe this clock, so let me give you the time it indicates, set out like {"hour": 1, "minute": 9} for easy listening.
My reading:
{"hour": 3, "minute": 5}
